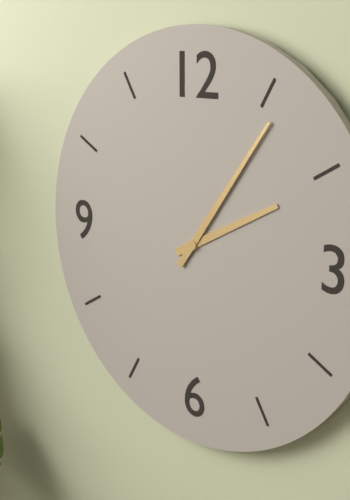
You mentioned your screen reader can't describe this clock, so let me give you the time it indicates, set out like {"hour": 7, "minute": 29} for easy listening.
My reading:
{"hour": 2, "minute": 6}
